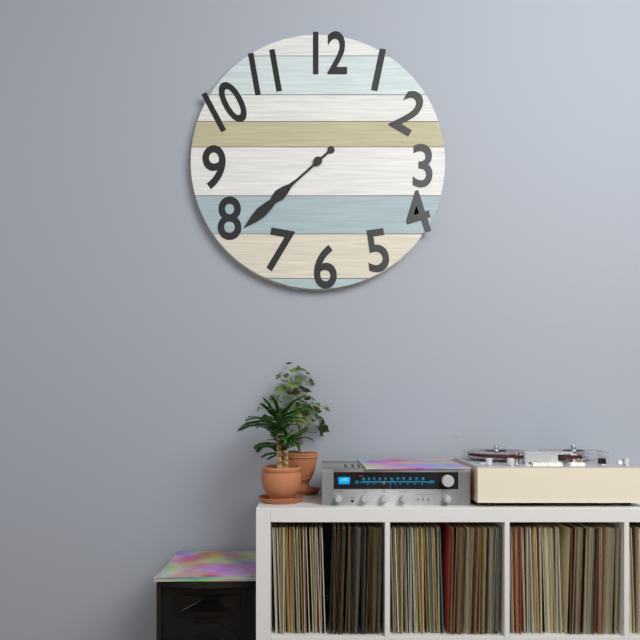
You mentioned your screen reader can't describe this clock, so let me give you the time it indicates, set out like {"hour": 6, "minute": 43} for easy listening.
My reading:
{"hour": 7, "minute": 38}
